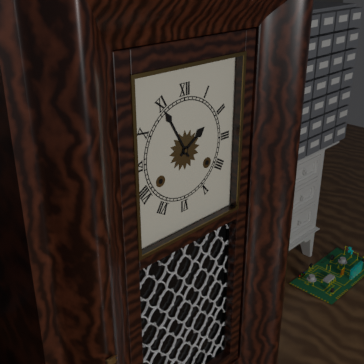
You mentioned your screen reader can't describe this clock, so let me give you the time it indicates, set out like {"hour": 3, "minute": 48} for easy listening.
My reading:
{"hour": 1, "minute": 55}
